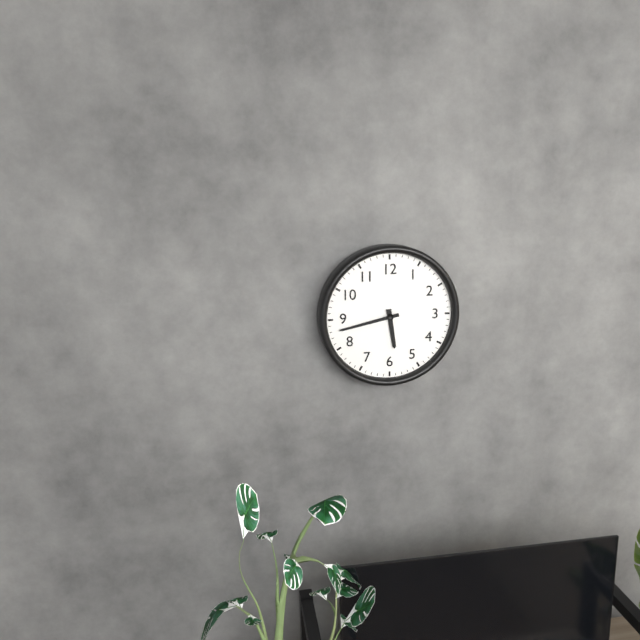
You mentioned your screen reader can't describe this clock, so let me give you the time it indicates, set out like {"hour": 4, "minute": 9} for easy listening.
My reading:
{"hour": 5, "minute": 43}
